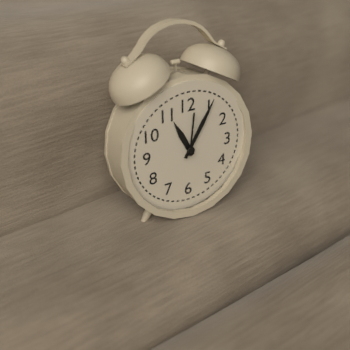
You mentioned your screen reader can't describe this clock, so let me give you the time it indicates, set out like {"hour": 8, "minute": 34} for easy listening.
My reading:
{"hour": 11, "minute": 5}
